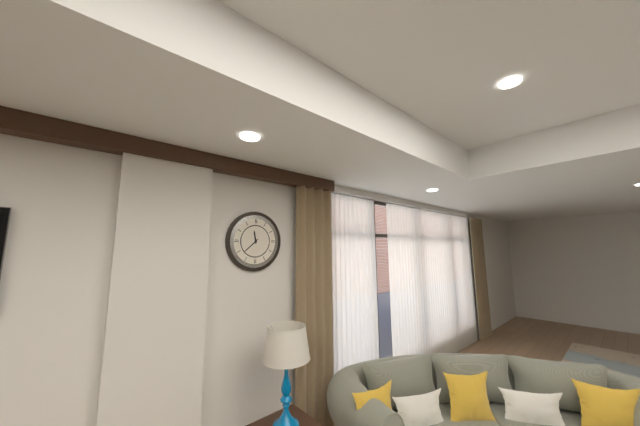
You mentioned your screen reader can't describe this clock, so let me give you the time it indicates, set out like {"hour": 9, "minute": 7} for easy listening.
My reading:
{"hour": 11, "minute": 38}
